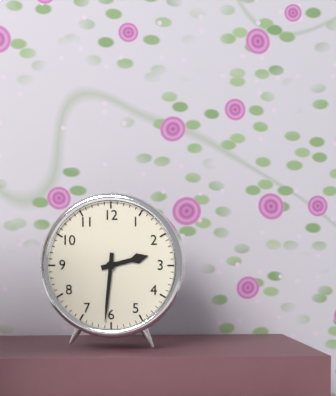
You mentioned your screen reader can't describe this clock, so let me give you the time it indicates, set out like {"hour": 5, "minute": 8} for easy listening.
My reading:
{"hour": 2, "minute": 31}
